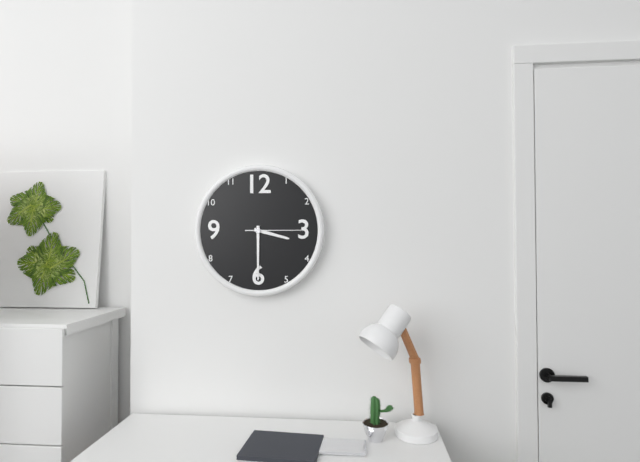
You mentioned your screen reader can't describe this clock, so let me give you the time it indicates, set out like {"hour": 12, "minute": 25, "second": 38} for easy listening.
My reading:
{"hour": 3, "minute": 30, "second": 15}
